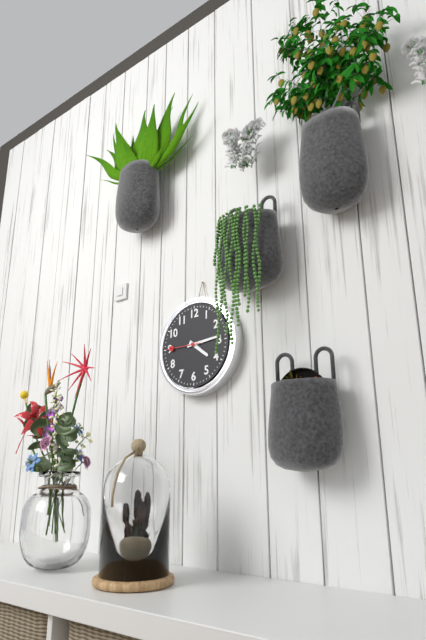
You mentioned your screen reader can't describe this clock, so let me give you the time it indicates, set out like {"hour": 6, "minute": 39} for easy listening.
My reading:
{"hour": 4, "minute": 14}
